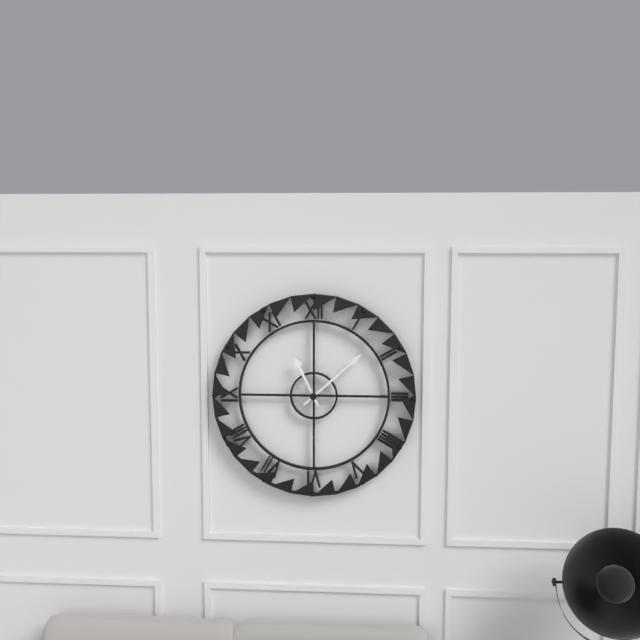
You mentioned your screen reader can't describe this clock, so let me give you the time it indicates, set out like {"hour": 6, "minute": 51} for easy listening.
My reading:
{"hour": 11, "minute": 8}
